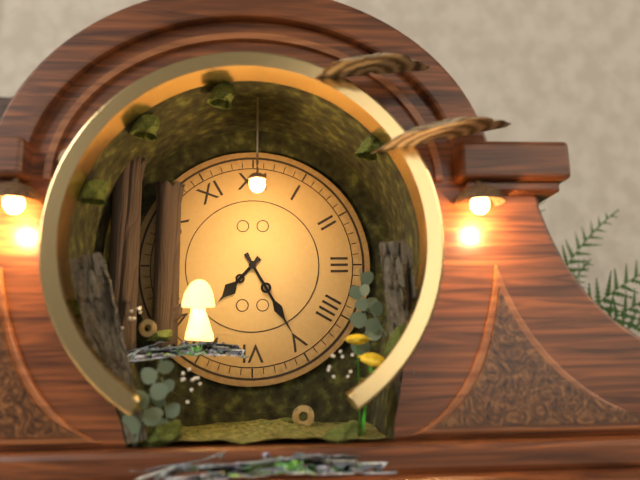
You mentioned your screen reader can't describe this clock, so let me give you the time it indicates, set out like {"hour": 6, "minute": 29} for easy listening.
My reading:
{"hour": 7, "minute": 25}
